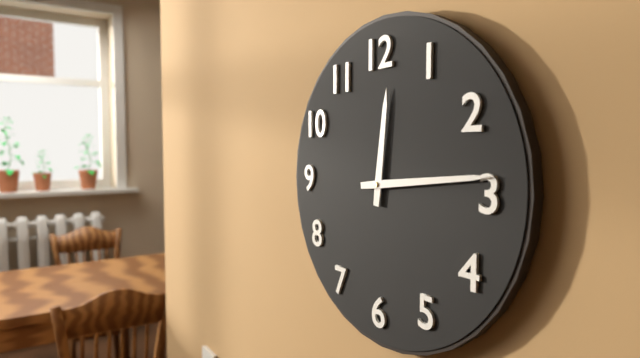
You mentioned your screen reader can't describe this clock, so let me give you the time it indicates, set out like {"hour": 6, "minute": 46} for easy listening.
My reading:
{"hour": 12, "minute": 14}
